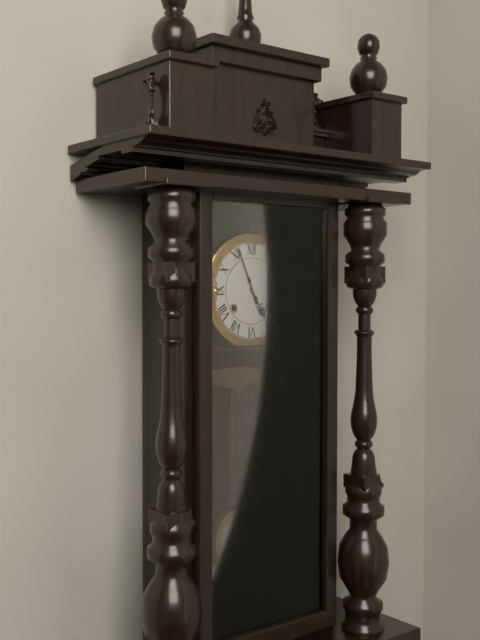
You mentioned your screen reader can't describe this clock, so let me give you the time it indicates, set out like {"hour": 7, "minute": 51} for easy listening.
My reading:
{"hour": 4, "minute": 56}
